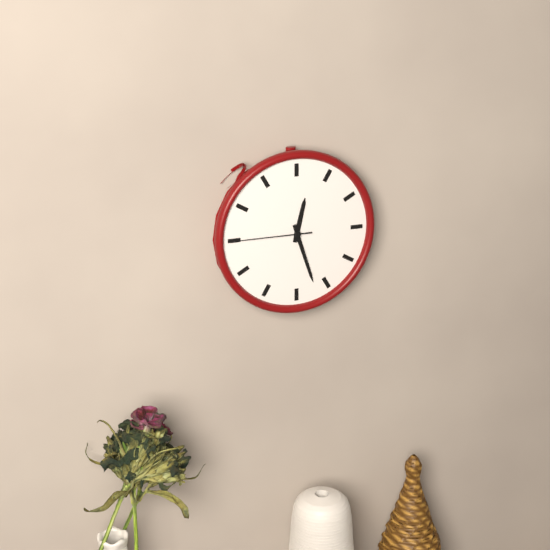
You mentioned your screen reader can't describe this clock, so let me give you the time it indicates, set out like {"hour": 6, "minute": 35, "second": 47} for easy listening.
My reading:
{"hour": 12, "minute": 27, "second": 45}
